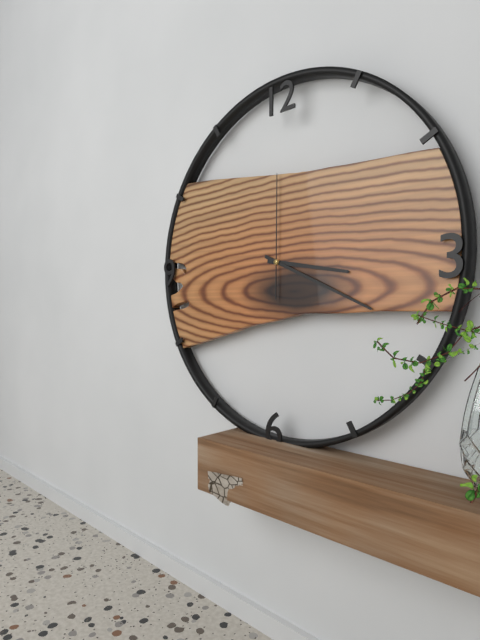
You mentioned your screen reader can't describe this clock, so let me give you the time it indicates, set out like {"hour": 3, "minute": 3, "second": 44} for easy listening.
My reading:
{"hour": 3, "minute": 19, "second": 0}
